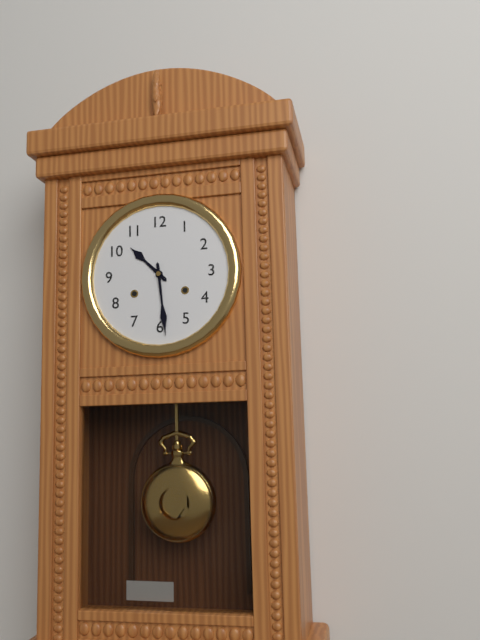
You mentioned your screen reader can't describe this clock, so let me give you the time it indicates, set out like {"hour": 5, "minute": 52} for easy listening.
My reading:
{"hour": 10, "minute": 29}
